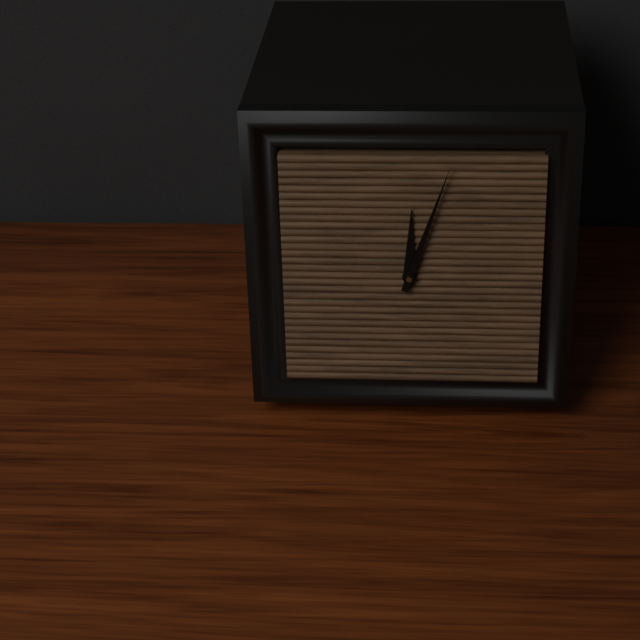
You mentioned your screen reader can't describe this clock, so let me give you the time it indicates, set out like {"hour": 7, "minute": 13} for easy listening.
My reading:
{"hour": 12, "minute": 3}
